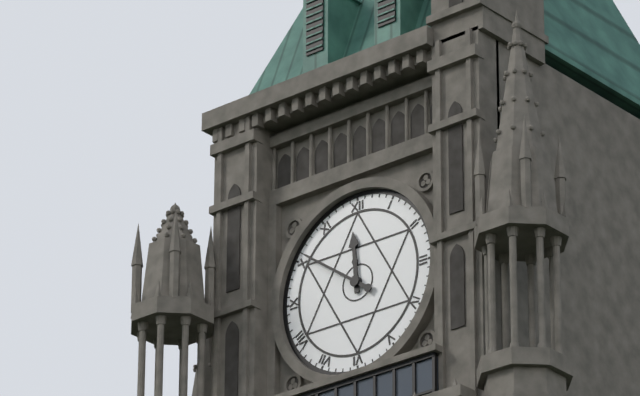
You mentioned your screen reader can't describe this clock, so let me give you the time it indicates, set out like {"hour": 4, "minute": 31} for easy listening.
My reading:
{"hour": 11, "minute": 51}
